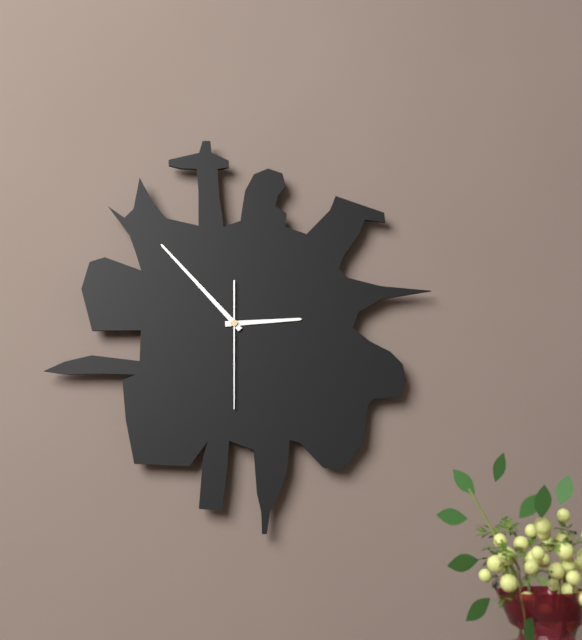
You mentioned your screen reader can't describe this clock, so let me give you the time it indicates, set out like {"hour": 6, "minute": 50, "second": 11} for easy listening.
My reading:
{"hour": 2, "minute": 53, "second": 30}
